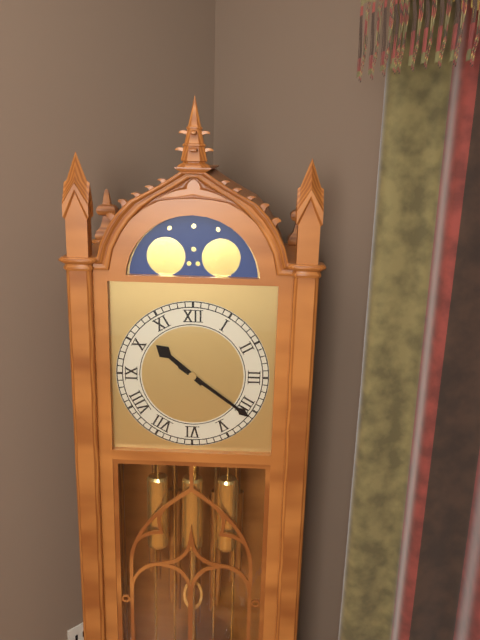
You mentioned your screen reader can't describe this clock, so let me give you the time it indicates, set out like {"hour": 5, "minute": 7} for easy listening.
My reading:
{"hour": 10, "minute": 21}
